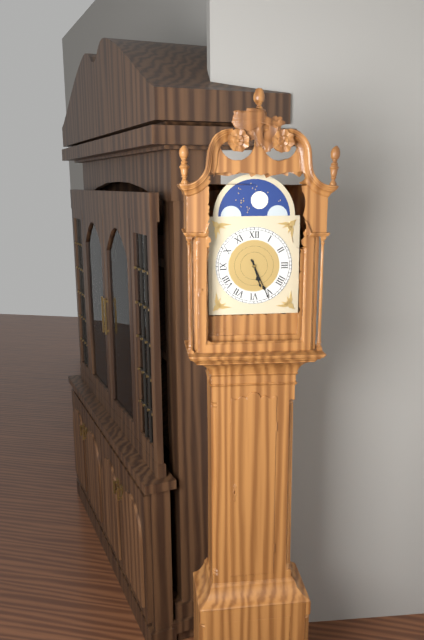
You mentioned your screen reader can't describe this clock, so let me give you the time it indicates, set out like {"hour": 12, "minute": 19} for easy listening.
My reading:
{"hour": 5, "minute": 26}
